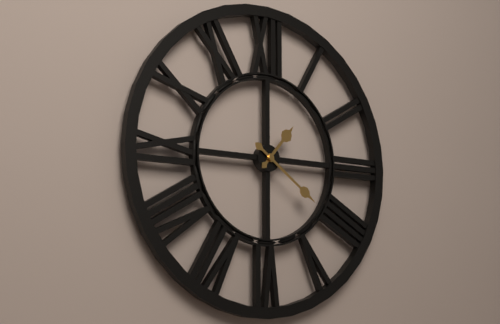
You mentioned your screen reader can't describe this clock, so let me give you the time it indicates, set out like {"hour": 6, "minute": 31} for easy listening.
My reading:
{"hour": 1, "minute": 21}
